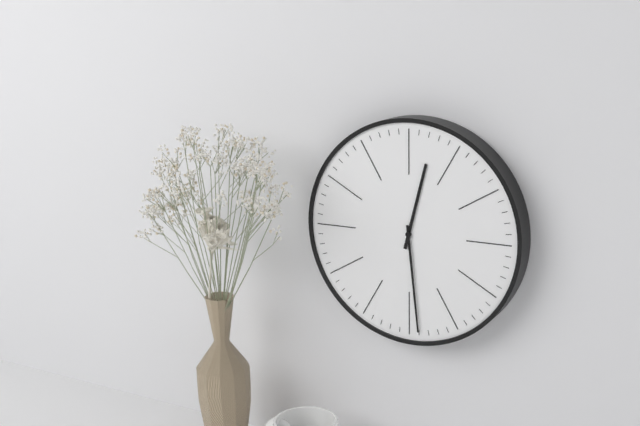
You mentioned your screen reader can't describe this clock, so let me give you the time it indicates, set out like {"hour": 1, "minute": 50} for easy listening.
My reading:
{"hour": 12, "minute": 29}
